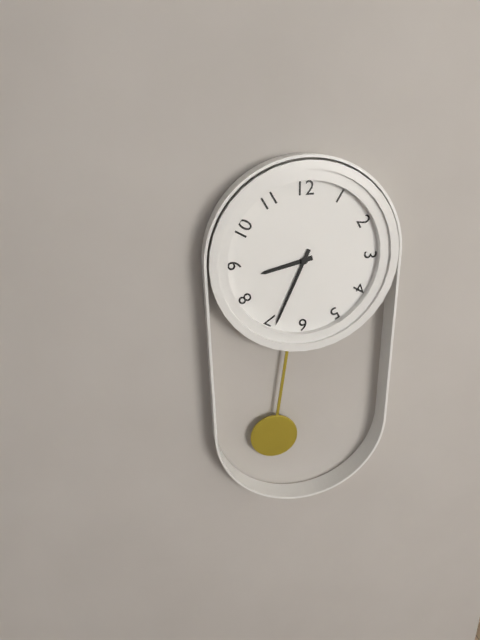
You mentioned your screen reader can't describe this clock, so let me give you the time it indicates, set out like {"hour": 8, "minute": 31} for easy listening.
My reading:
{"hour": 8, "minute": 34}
